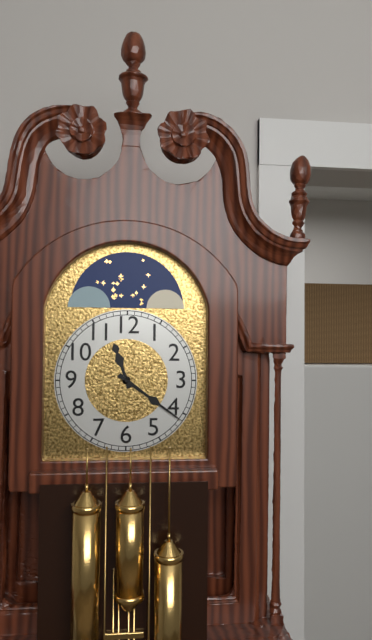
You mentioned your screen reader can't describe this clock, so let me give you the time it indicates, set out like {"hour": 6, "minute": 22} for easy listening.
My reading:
{"hour": 11, "minute": 21}
